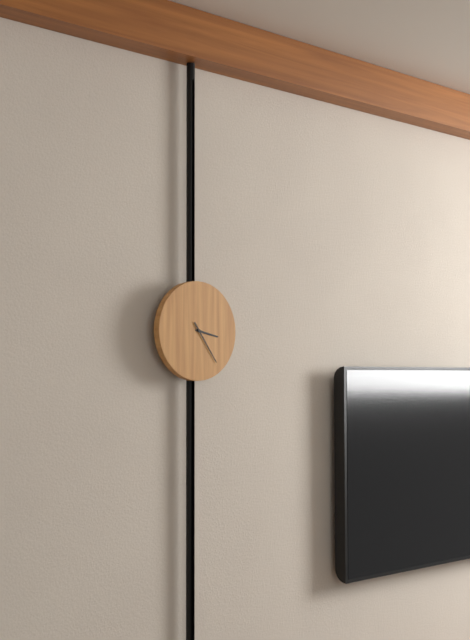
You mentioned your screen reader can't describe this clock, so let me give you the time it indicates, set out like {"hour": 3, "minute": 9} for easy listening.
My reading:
{"hour": 3, "minute": 24}
